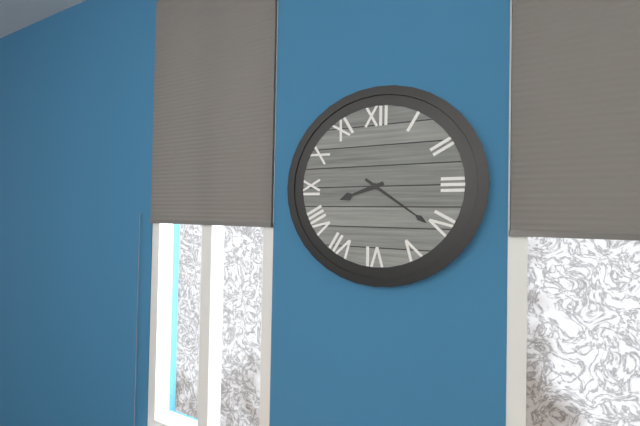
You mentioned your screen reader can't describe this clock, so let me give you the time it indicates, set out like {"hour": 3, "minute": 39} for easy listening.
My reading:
{"hour": 8, "minute": 21}
